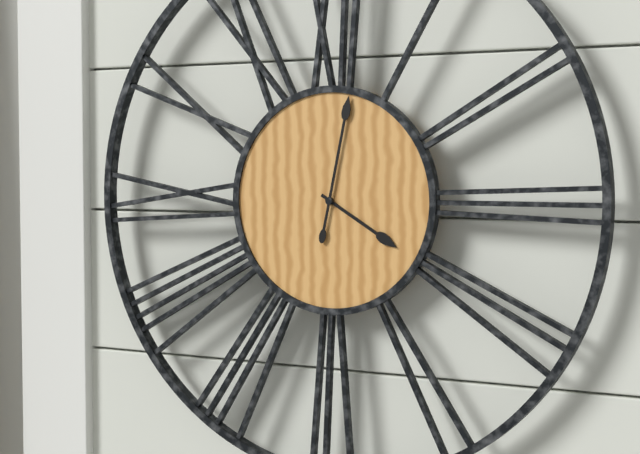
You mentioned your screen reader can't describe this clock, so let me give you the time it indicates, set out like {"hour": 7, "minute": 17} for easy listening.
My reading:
{"hour": 4, "minute": 2}
